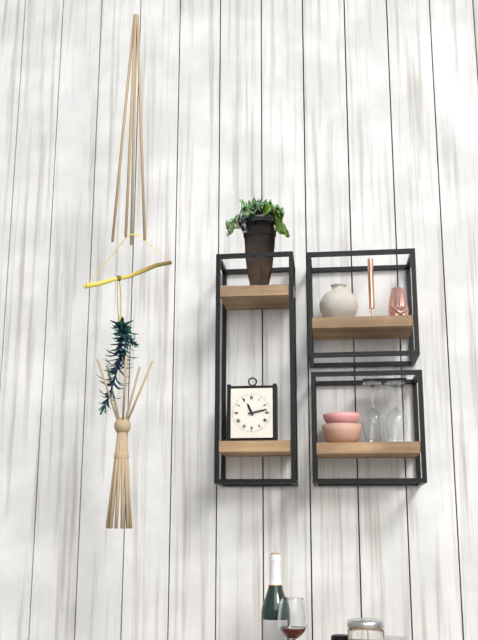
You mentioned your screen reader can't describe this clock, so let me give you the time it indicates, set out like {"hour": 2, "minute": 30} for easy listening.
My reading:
{"hour": 11, "minute": 13}
